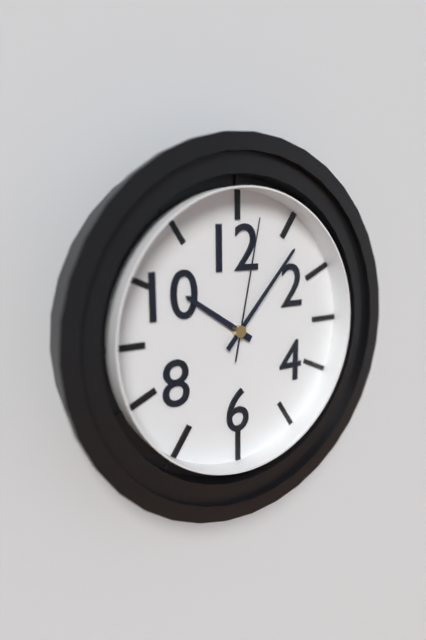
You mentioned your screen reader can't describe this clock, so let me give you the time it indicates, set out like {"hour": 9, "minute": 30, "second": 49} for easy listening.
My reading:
{"hour": 10, "minute": 7, "second": 2}
